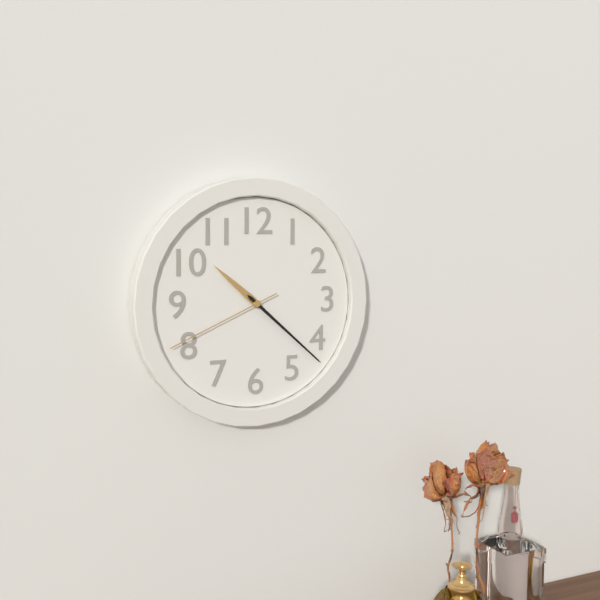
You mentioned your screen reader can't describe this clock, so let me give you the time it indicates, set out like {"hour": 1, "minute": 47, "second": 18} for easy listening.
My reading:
{"hour": 10, "minute": 22, "second": 41}
